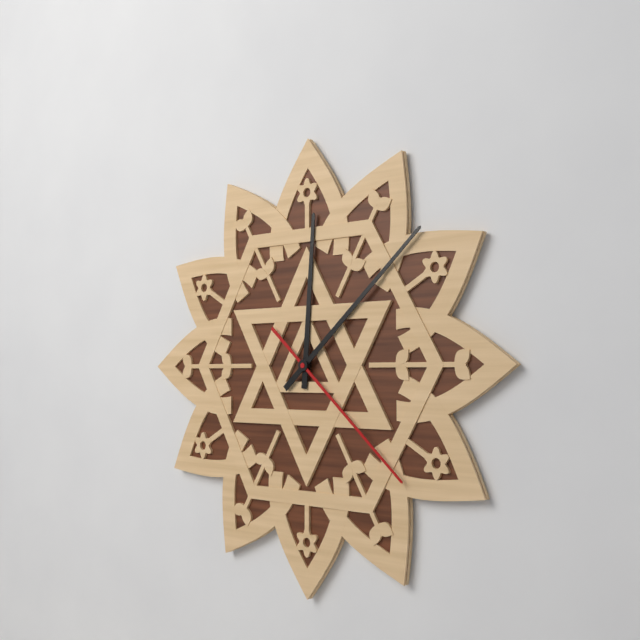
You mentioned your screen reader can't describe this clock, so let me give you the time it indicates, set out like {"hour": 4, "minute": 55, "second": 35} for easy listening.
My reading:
{"hour": 12, "minute": 8, "second": 22}
